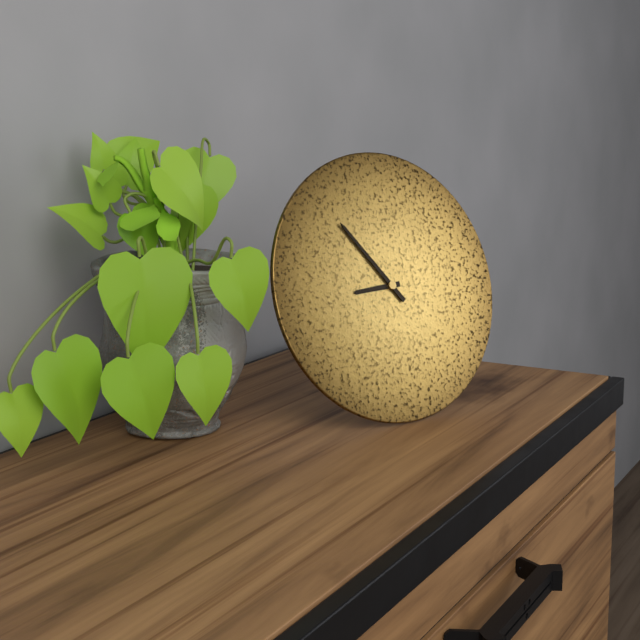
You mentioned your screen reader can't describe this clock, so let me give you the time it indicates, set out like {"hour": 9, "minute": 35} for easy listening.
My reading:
{"hour": 8, "minute": 54}
